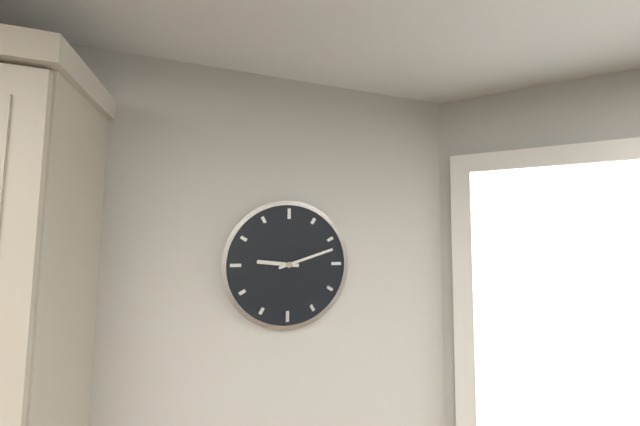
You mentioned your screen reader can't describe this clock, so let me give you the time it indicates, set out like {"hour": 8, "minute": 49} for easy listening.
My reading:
{"hour": 9, "minute": 12}
